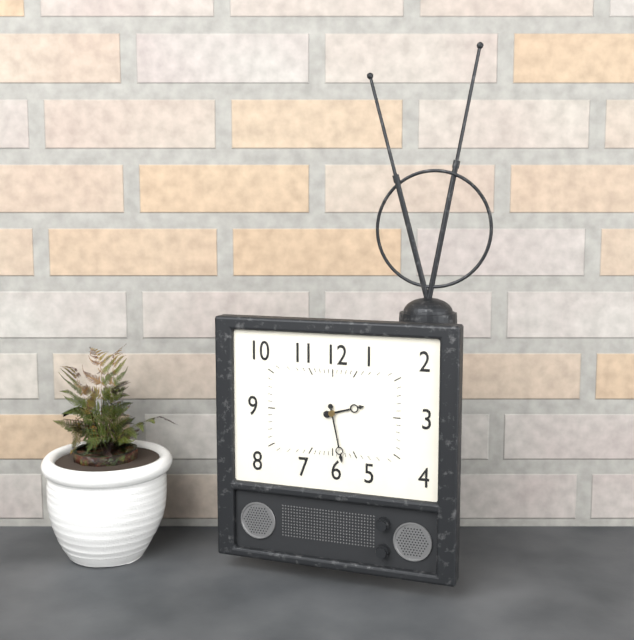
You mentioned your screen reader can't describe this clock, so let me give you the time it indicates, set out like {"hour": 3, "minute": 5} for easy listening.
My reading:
{"hour": 2, "minute": 28}
